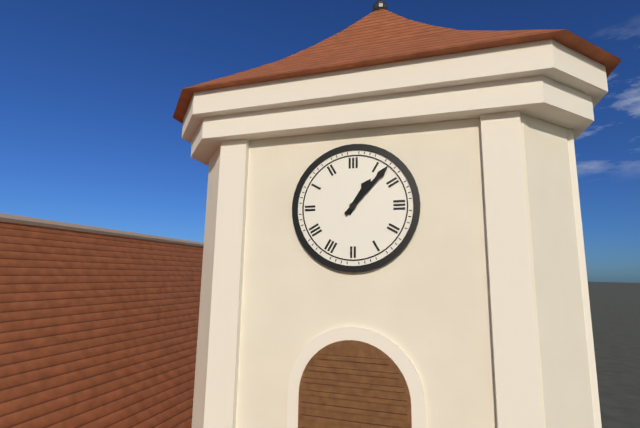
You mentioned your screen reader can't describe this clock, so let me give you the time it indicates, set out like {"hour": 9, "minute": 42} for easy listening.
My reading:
{"hour": 1, "minute": 7}
